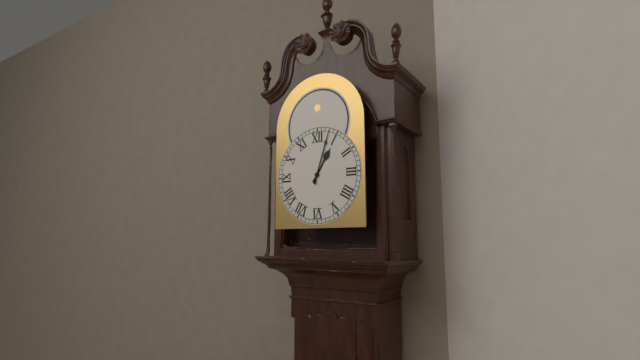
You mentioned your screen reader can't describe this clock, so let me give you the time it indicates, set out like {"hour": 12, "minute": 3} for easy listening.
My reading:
{"hour": 1, "minute": 3}
